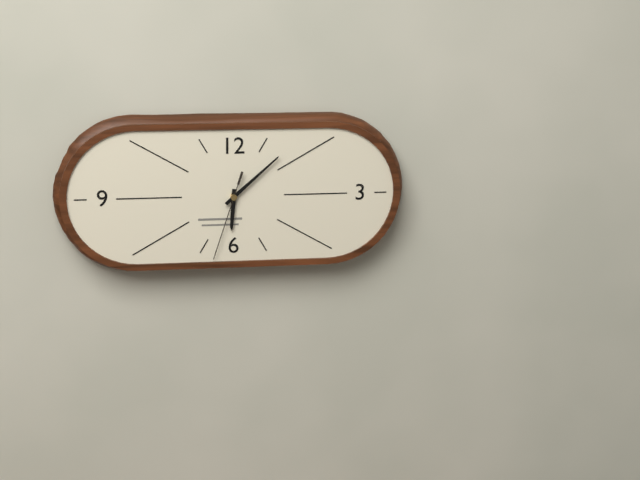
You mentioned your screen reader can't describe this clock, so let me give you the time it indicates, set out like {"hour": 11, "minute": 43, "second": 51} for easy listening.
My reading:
{"hour": 6, "minute": 8, "second": 33}
